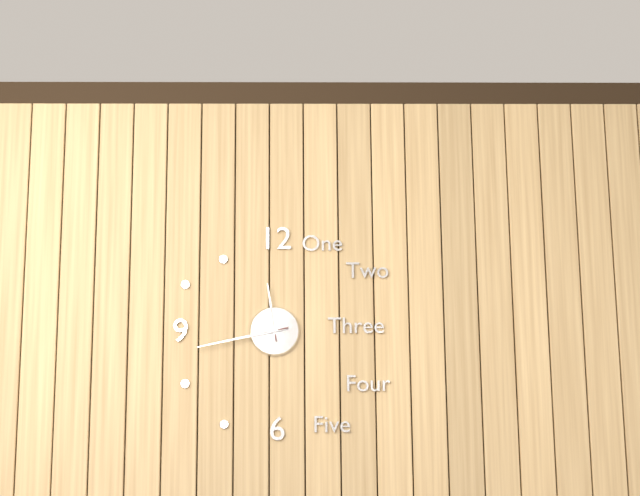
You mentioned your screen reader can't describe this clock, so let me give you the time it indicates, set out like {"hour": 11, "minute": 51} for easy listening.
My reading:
{"hour": 11, "minute": 43}
